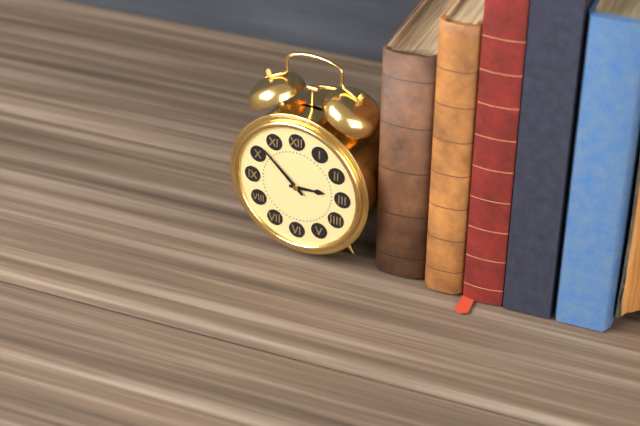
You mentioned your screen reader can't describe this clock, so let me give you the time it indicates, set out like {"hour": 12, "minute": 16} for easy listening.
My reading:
{"hour": 2, "minute": 52}
